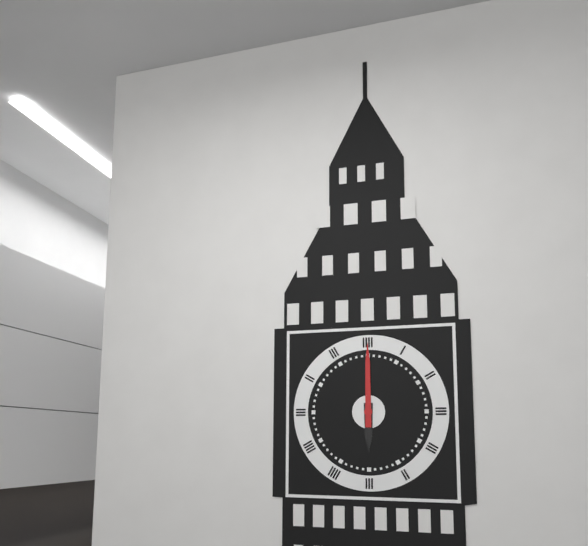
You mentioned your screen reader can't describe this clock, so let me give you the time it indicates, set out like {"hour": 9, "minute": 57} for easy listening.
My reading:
{"hour": 6, "minute": 0}
